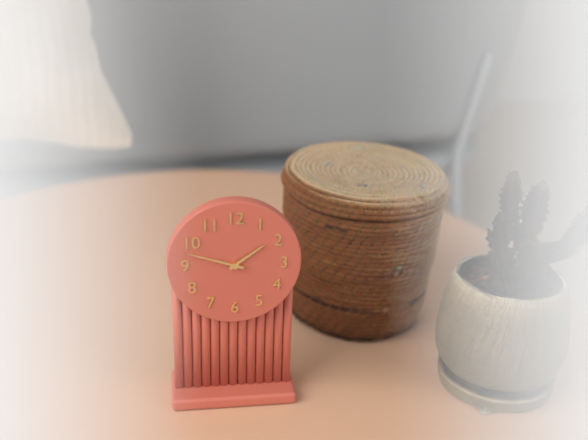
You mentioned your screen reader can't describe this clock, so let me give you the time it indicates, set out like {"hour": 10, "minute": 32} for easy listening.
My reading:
{"hour": 1, "minute": 48}
